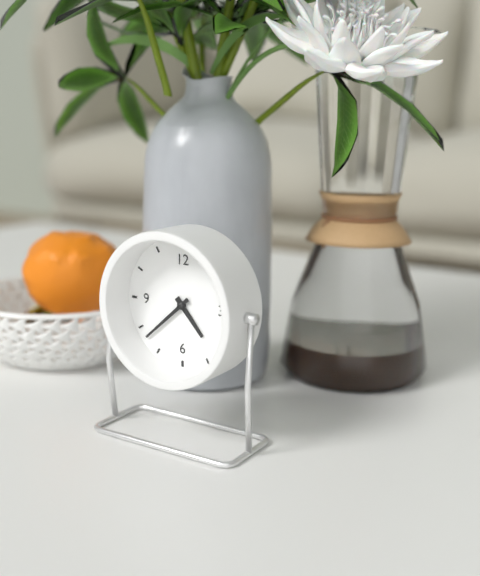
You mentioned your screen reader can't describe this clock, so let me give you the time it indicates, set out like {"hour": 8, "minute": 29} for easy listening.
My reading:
{"hour": 4, "minute": 38}
